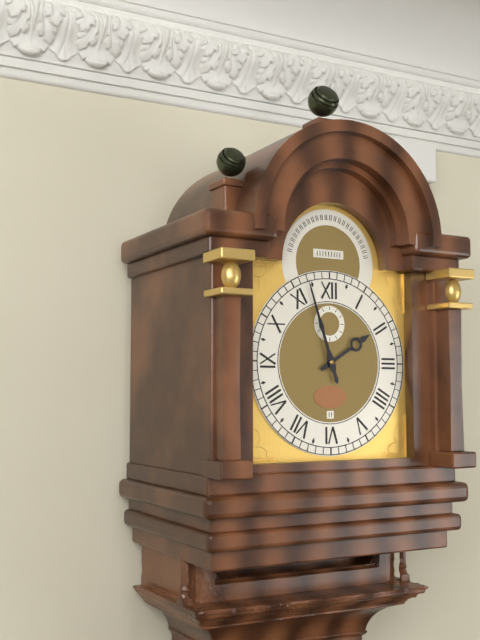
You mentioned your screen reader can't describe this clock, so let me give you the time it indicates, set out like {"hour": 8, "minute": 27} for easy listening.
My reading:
{"hour": 1, "minute": 57}
